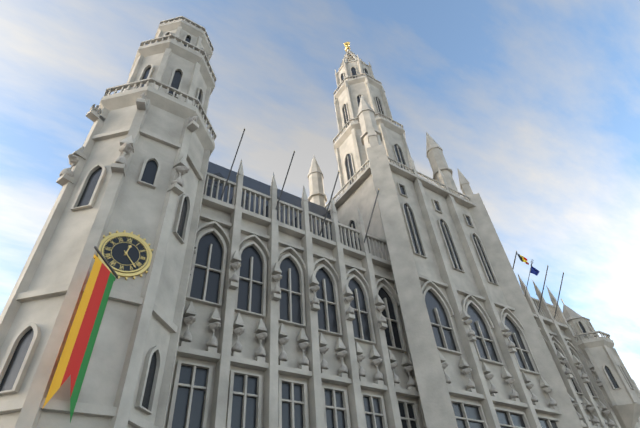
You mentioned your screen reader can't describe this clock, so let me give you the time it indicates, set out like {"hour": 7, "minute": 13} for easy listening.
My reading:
{"hour": 12, "minute": 23}
